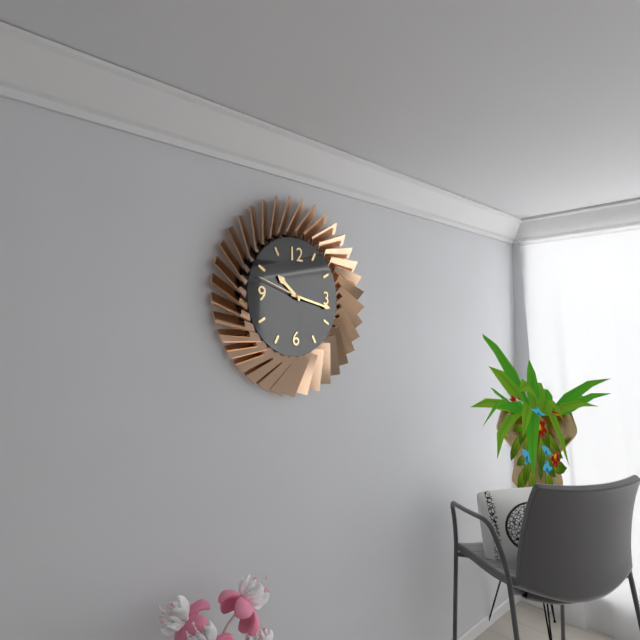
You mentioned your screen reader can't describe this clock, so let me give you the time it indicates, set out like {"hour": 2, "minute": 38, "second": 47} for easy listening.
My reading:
{"hour": 10, "minute": 17, "second": 48}
